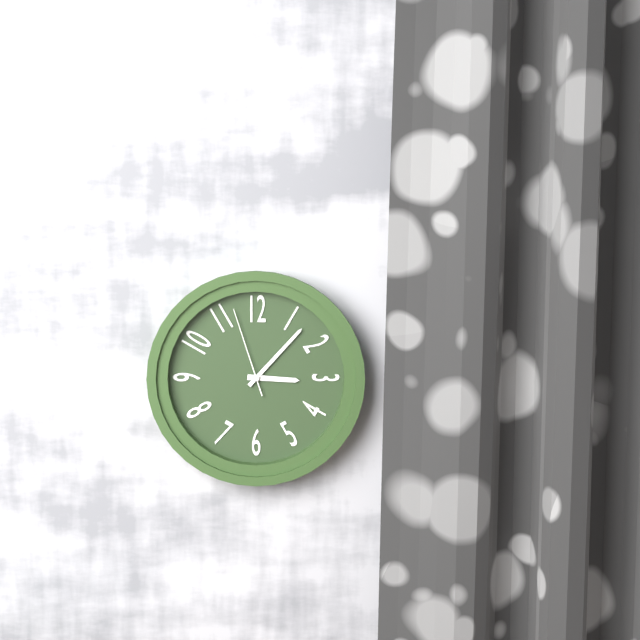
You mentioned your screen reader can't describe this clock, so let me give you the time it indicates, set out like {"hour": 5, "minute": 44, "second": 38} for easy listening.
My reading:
{"hour": 3, "minute": 7, "second": 57}
